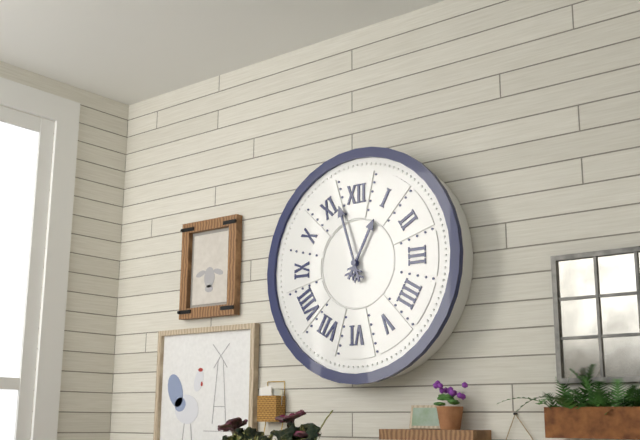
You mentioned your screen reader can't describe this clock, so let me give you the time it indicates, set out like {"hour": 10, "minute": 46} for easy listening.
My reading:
{"hour": 12, "minute": 57}
